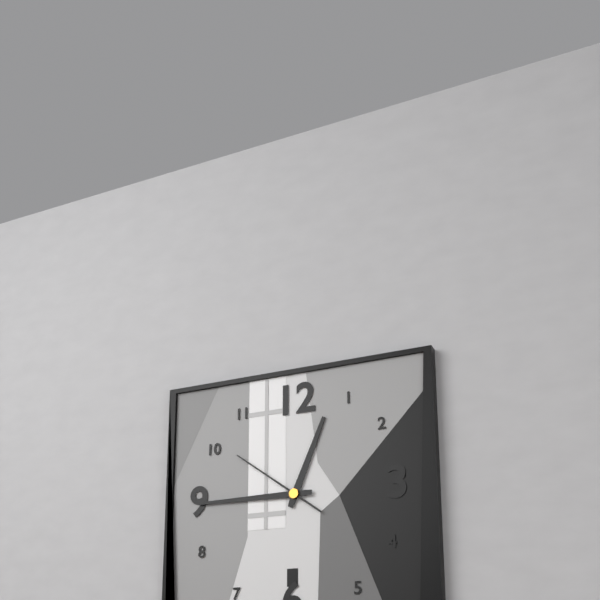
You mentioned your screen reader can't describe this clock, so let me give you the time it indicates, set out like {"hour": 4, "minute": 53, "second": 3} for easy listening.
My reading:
{"hour": 12, "minute": 45, "second": 51}
